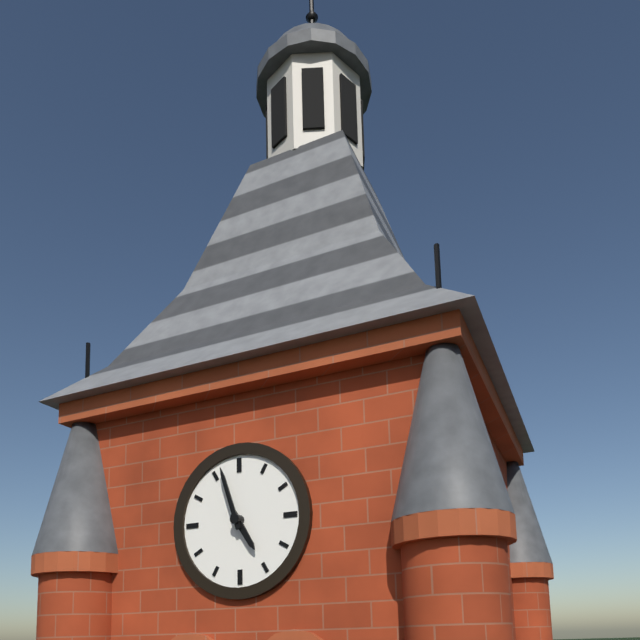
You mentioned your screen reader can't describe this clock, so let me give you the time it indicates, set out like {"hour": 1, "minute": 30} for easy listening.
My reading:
{"hour": 4, "minute": 57}
